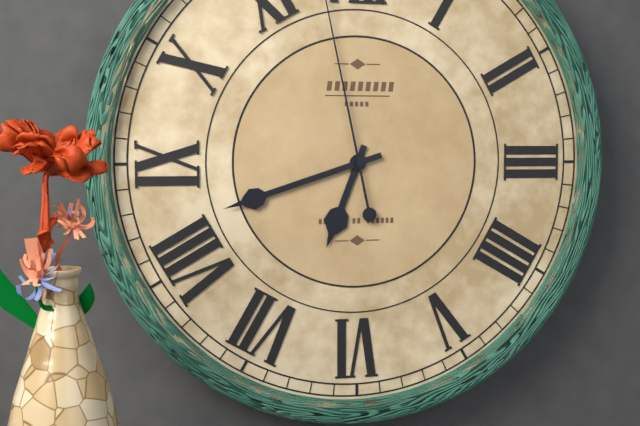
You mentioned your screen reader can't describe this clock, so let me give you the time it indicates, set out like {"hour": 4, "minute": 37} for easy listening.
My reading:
{"hour": 6, "minute": 42}
